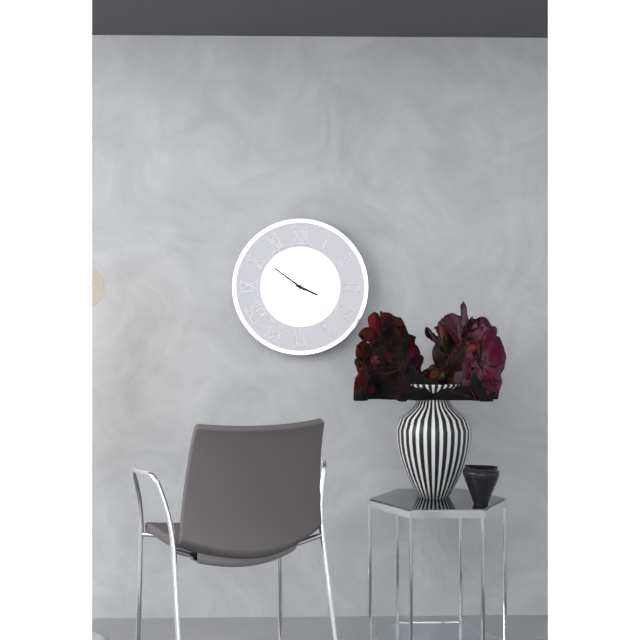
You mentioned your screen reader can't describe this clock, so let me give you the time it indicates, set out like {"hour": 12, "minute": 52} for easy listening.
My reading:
{"hour": 3, "minute": 51}
